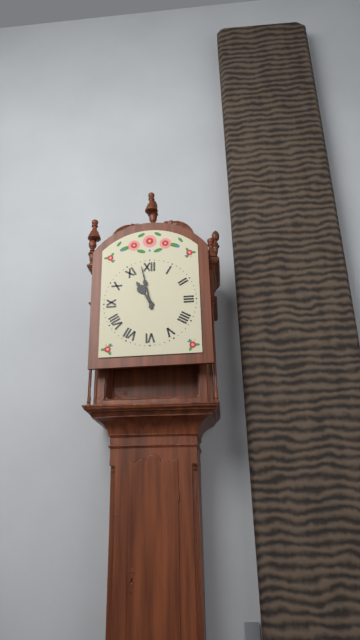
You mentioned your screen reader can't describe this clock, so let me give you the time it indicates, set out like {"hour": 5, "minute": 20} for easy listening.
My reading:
{"hour": 10, "minute": 58}
